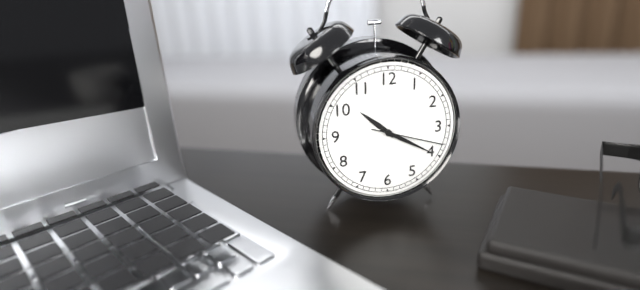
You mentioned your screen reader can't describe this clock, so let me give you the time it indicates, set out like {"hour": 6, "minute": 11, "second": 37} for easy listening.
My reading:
{"hour": 10, "minute": 20, "second": 18}
